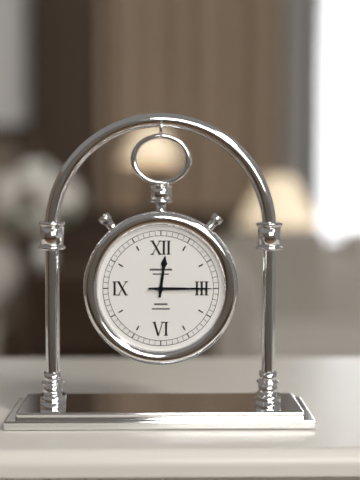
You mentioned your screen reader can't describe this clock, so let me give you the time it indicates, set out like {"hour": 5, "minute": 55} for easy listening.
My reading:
{"hour": 12, "minute": 15}
